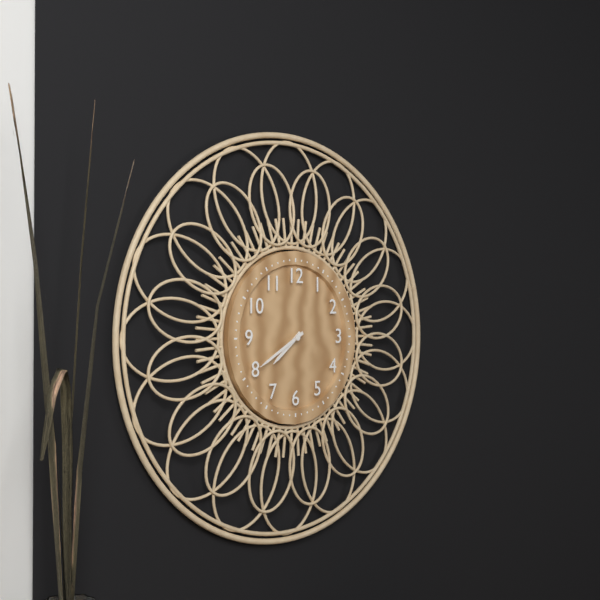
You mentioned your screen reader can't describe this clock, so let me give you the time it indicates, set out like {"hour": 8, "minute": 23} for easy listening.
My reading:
{"hour": 7, "minute": 40}
